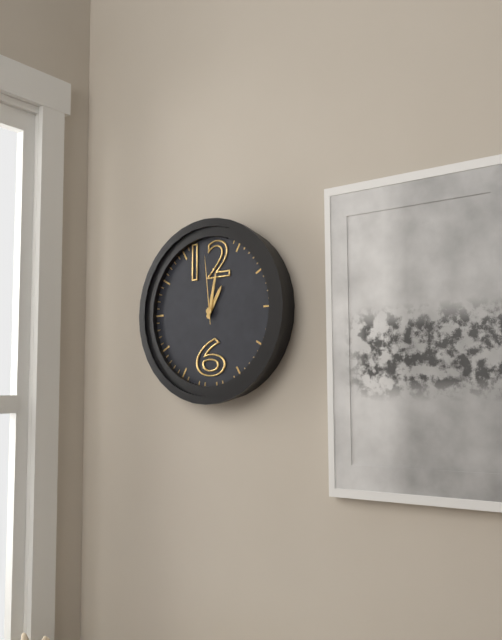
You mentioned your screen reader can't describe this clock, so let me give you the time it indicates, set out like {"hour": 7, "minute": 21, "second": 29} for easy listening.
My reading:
{"hour": 1, "minute": 2, "second": 59}
